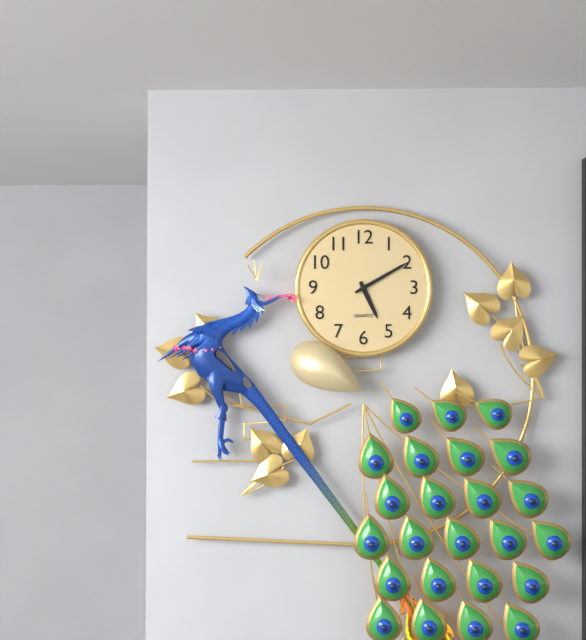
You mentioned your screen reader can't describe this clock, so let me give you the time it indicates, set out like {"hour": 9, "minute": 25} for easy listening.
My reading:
{"hour": 5, "minute": 10}
